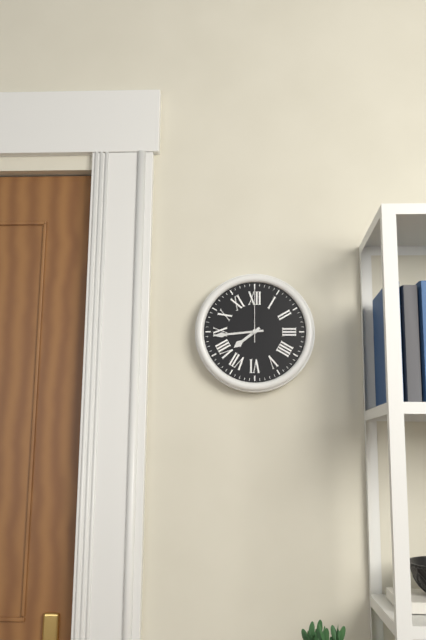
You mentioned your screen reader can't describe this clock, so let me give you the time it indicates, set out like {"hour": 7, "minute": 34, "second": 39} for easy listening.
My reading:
{"hour": 7, "minute": 44, "second": 0}
